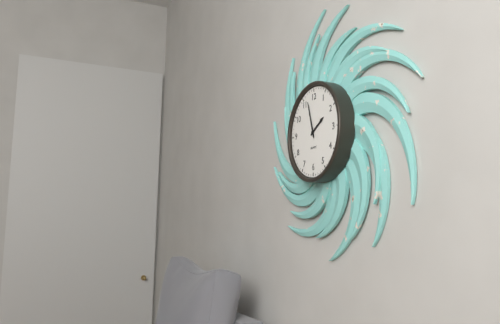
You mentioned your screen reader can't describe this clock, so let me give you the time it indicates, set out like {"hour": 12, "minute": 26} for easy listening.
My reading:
{"hour": 1, "minute": 57}
